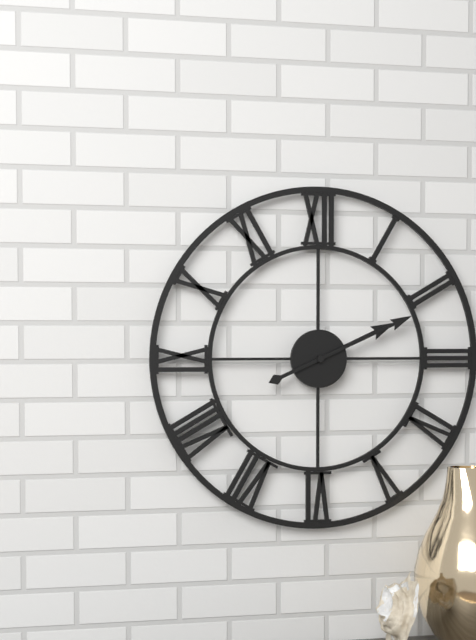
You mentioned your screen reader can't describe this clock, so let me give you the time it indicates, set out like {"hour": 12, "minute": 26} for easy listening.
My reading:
{"hour": 2, "minute": 11}
